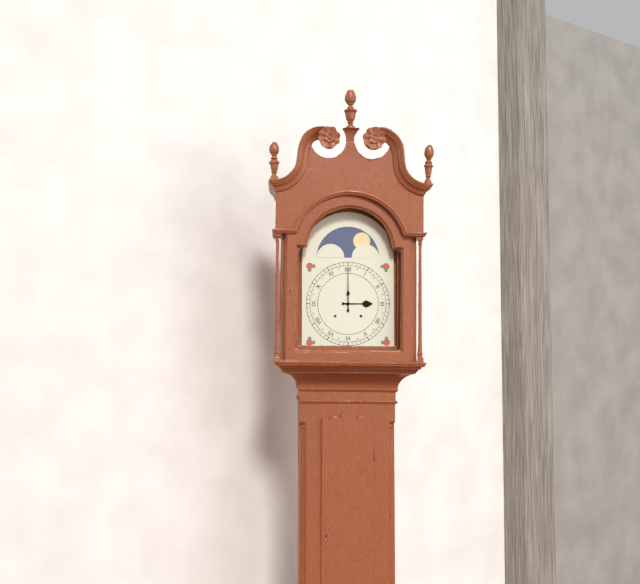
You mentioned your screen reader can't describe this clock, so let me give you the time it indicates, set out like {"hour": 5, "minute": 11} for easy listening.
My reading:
{"hour": 3, "minute": 0}
